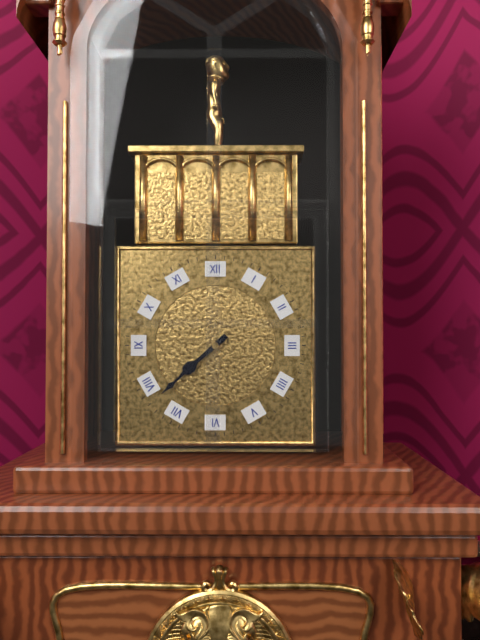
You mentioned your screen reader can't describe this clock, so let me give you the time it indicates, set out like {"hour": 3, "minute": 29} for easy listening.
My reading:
{"hour": 7, "minute": 38}
